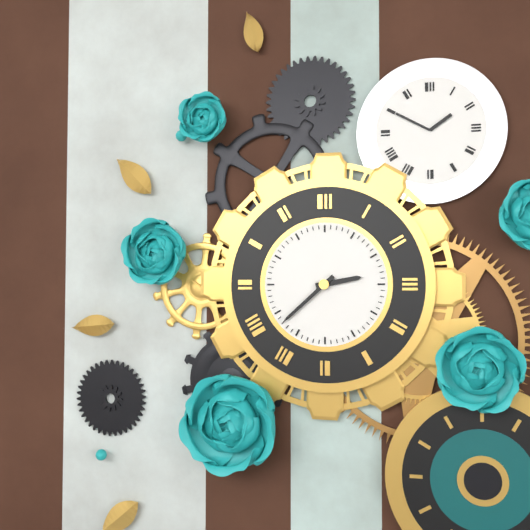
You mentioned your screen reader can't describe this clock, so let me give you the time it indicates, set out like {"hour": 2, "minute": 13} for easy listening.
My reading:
{"hour": 2, "minute": 38}
